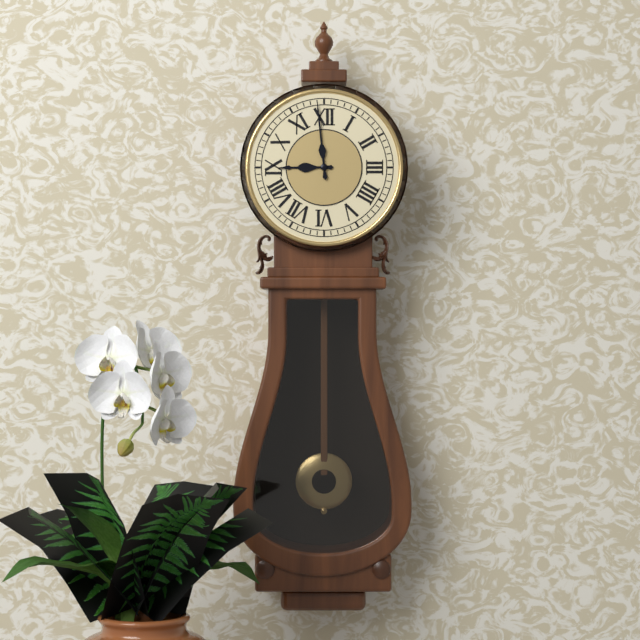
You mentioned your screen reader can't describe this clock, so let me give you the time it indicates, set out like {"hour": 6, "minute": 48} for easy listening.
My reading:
{"hour": 8, "minute": 59}
